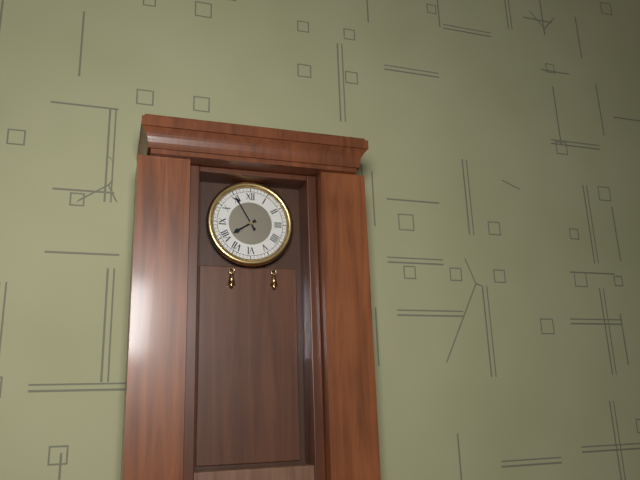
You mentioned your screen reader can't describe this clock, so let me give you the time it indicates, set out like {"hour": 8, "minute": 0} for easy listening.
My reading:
{"hour": 7, "minute": 55}
